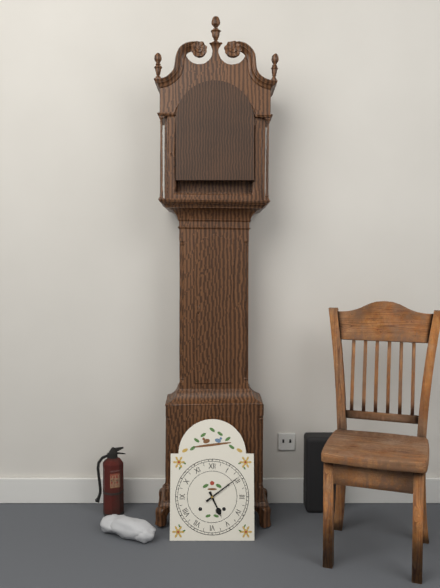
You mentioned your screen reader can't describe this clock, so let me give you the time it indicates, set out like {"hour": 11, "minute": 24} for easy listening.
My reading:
{"hour": 5, "minute": 9}
